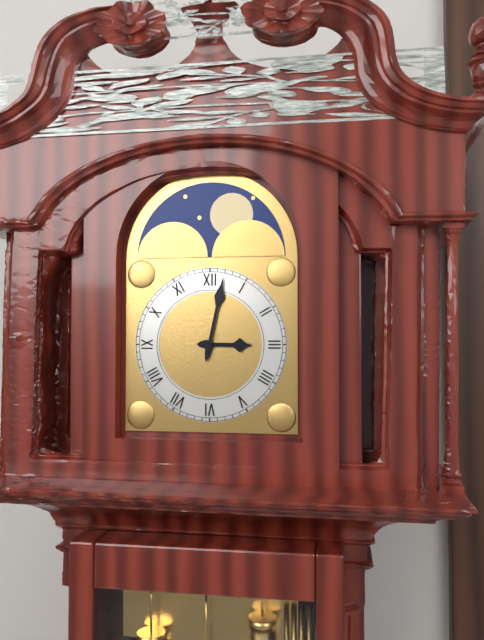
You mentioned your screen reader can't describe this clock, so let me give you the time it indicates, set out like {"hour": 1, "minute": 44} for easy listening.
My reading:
{"hour": 3, "minute": 2}
